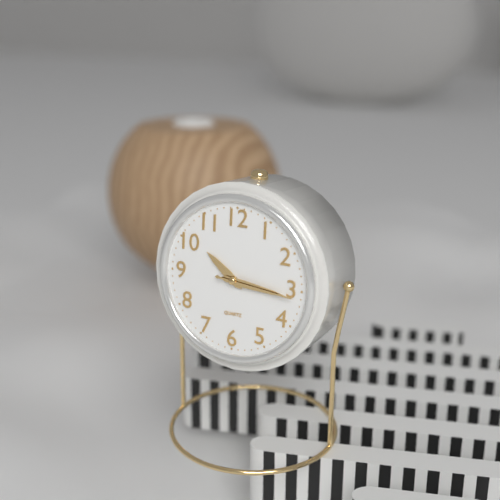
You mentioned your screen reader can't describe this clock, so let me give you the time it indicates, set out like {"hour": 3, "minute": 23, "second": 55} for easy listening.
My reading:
{"hour": 10, "minute": 16, "second": 16}
